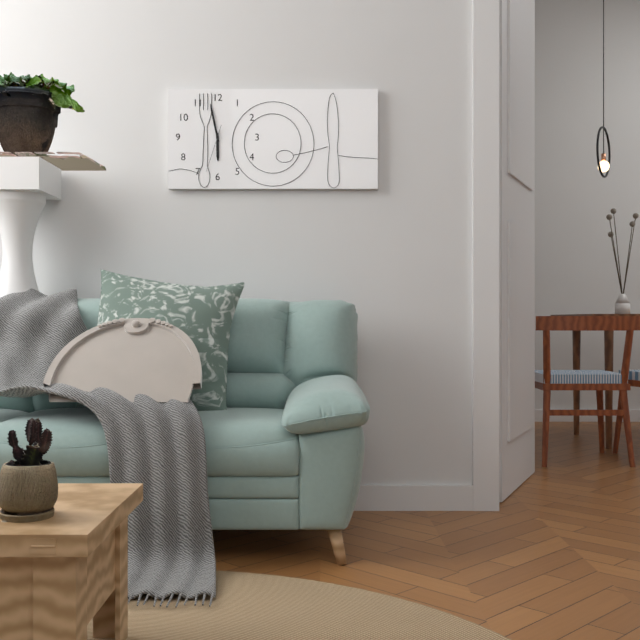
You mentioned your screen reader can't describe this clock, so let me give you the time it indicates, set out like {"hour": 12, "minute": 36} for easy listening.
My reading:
{"hour": 5, "minute": 58}
